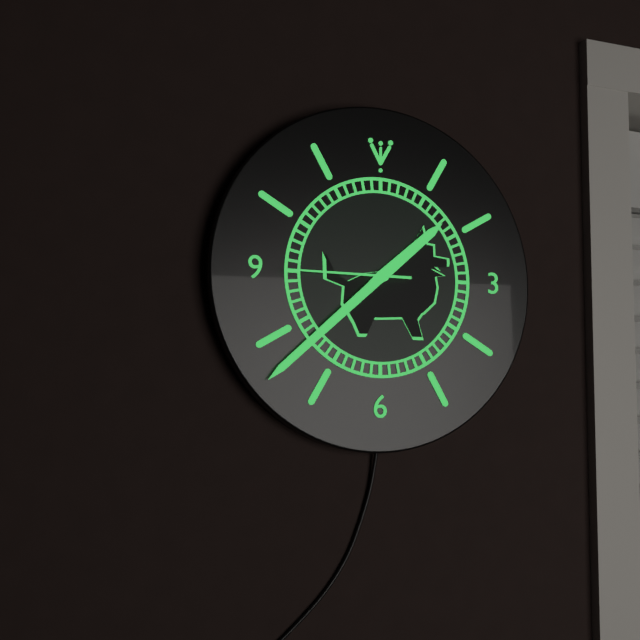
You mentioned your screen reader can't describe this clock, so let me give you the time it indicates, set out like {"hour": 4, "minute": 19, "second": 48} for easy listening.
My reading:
{"hour": 1, "minute": 38, "second": 45}
